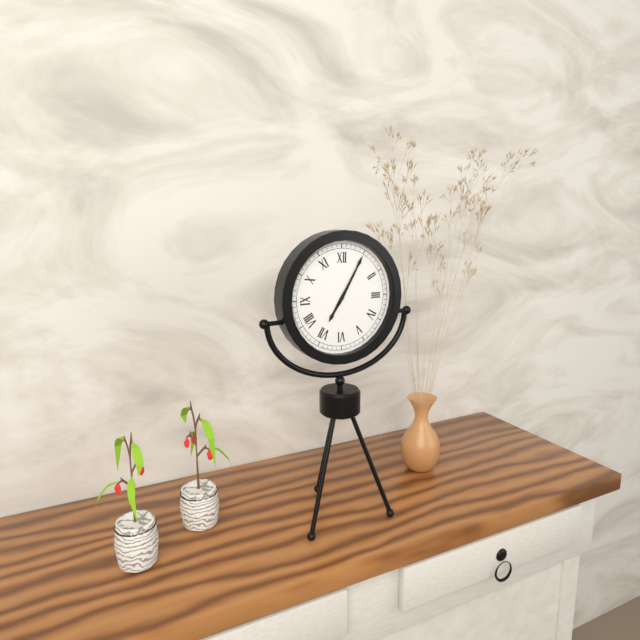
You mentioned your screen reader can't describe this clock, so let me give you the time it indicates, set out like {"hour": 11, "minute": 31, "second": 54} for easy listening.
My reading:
{"hour": 7, "minute": 5, "second": 5}
